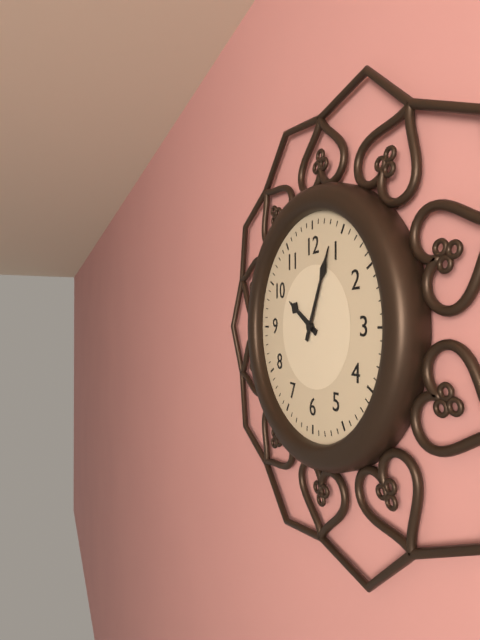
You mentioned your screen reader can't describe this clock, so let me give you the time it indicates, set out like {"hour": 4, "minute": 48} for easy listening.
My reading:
{"hour": 10, "minute": 4}
